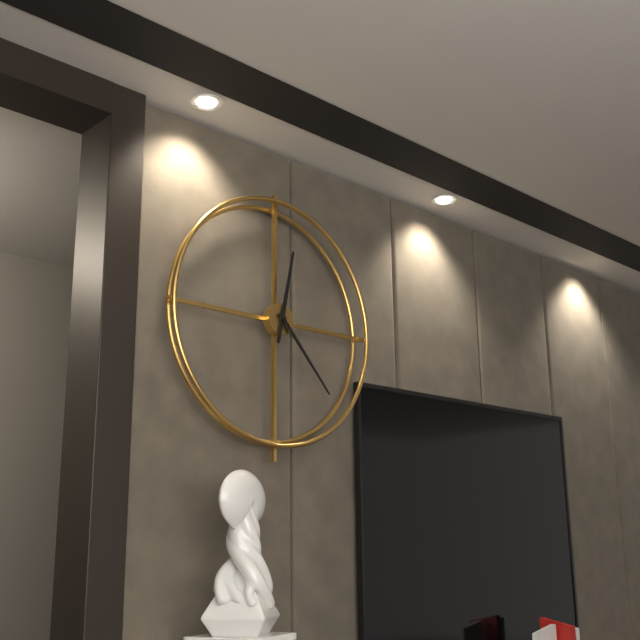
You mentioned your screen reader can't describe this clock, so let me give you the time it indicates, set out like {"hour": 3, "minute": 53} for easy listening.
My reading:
{"hour": 12, "minute": 23}
